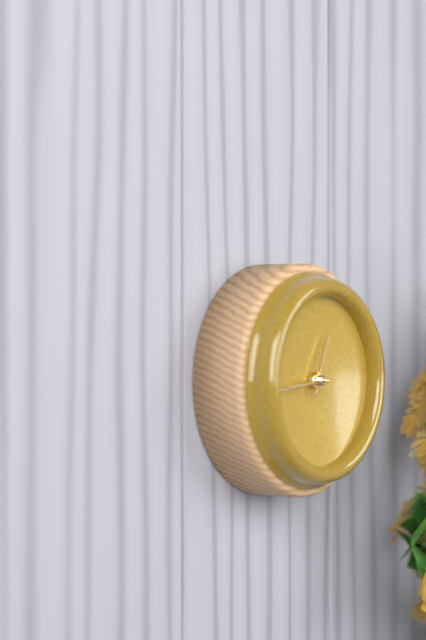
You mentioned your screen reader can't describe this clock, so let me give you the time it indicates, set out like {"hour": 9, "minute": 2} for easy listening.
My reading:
{"hour": 12, "minute": 44}
